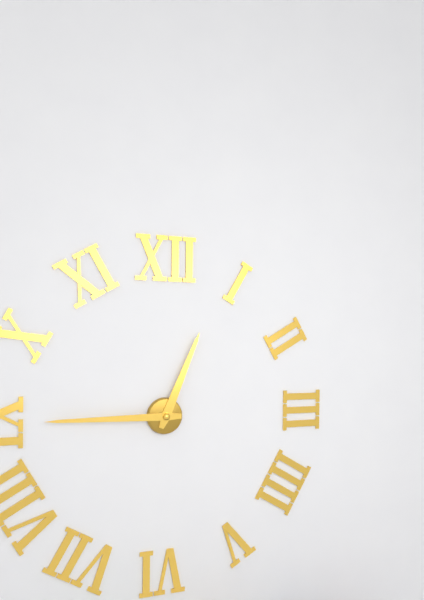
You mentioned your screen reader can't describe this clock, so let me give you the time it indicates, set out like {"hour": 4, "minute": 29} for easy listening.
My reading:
{"hour": 12, "minute": 45}
